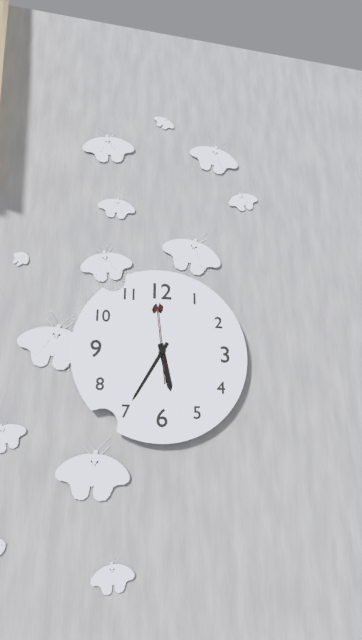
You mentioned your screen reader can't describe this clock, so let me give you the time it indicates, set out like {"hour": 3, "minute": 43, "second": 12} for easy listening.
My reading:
{"hour": 5, "minute": 35, "second": 59}
